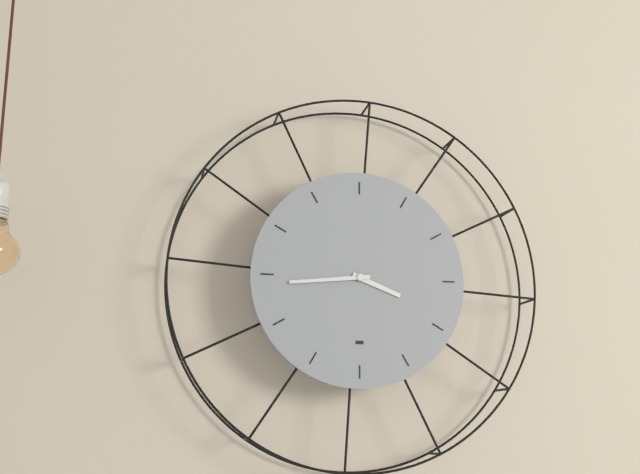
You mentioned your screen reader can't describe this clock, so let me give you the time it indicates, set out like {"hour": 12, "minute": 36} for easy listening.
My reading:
{"hour": 3, "minute": 44}
